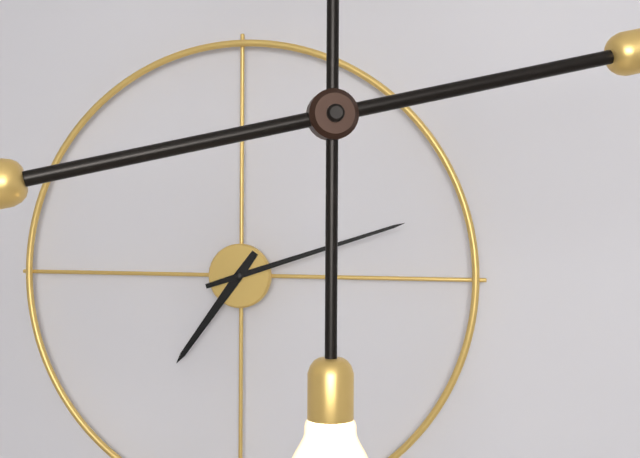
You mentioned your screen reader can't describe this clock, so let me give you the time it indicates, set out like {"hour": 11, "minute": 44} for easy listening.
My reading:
{"hour": 7, "minute": 12}
